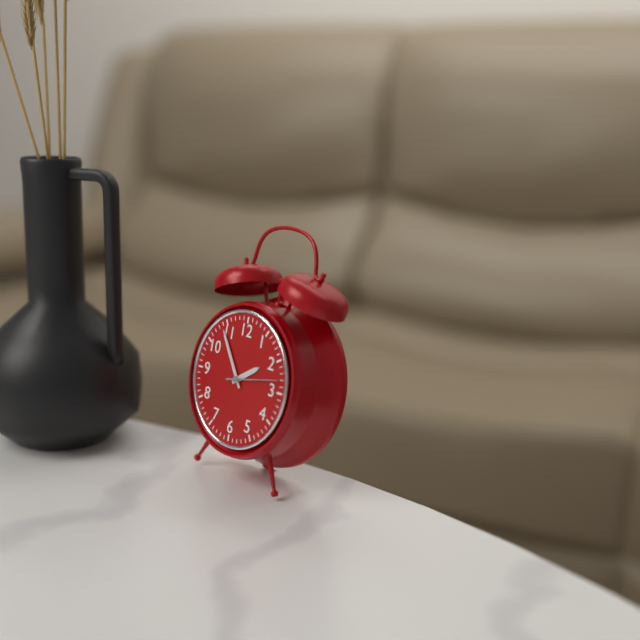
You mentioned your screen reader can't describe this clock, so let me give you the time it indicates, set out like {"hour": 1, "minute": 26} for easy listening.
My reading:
{"hour": 1, "minute": 54}
